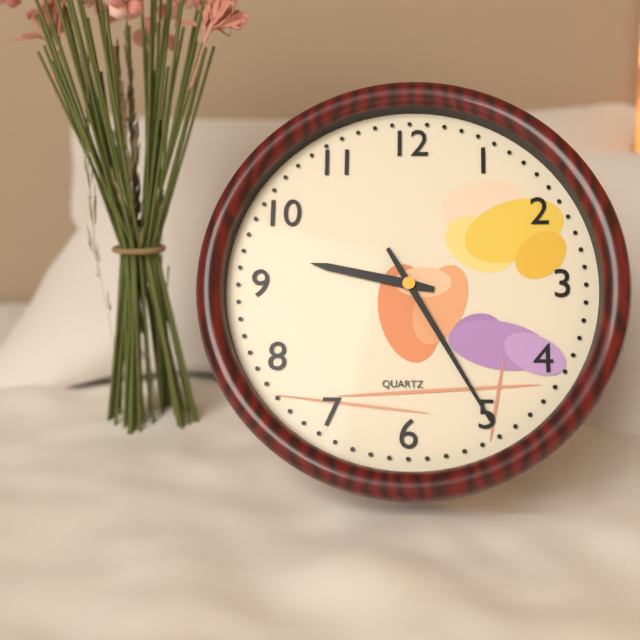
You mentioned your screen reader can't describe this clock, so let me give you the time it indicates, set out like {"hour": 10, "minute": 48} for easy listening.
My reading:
{"hour": 9, "minute": 25}
